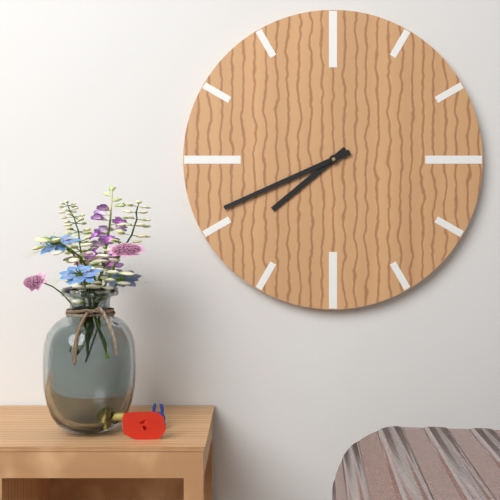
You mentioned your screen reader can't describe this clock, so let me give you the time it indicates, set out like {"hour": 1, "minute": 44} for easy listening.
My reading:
{"hour": 7, "minute": 41}
